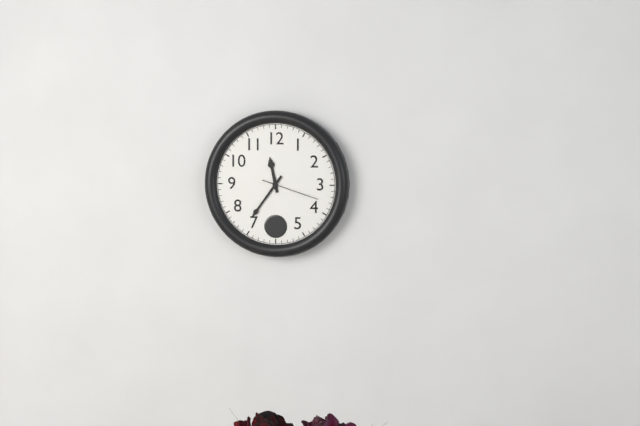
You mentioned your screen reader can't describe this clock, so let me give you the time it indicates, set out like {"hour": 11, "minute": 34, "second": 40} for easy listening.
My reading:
{"hour": 11, "minute": 36, "second": 18}
